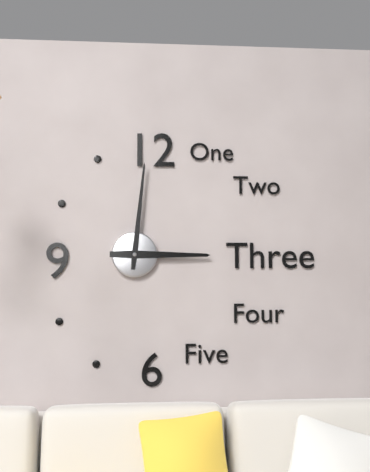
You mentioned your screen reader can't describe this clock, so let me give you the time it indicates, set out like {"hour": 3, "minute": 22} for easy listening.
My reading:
{"hour": 3, "minute": 1}
